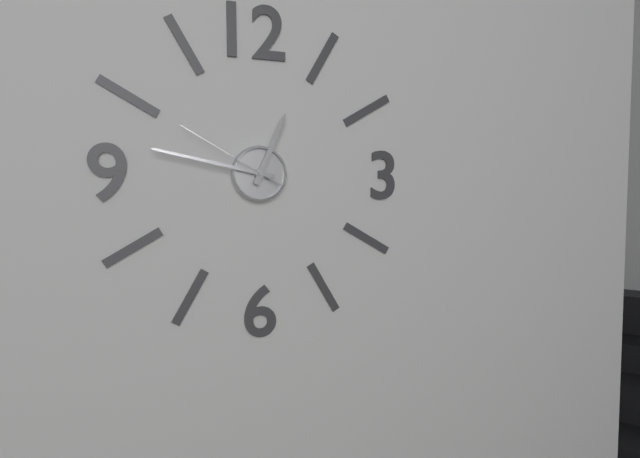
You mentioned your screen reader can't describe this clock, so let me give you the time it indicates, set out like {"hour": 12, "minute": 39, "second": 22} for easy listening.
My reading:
{"hour": 12, "minute": 47, "second": 50}
